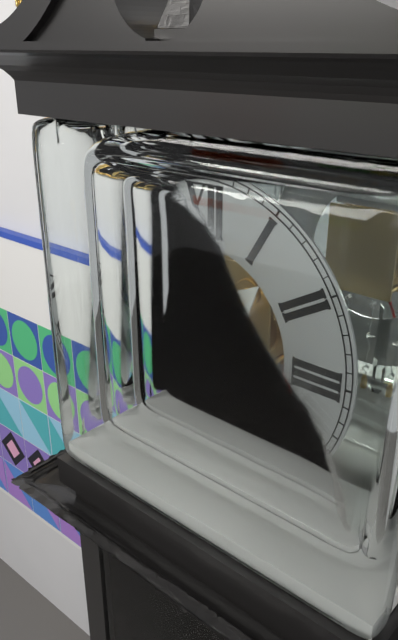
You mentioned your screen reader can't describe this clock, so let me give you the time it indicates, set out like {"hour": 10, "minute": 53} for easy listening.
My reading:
{"hour": 1, "minute": 26}
